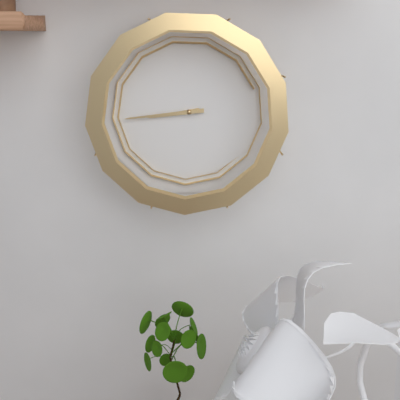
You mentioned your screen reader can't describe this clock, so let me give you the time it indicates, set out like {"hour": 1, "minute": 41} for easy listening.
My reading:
{"hour": 8, "minute": 44}
